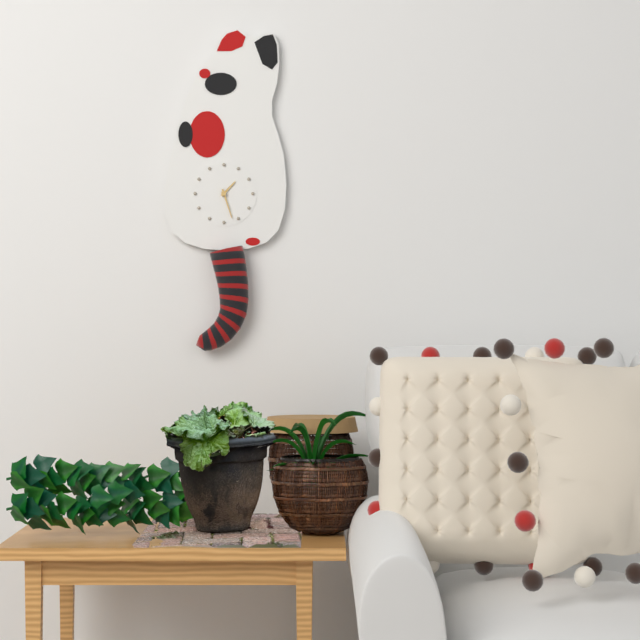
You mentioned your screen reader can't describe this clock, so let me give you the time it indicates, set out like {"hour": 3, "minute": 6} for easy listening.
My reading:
{"hour": 1, "minute": 27}
